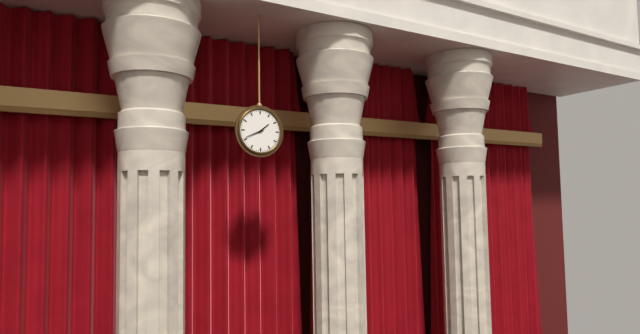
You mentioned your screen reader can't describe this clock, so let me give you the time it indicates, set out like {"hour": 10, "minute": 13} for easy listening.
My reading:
{"hour": 1, "minute": 41}
